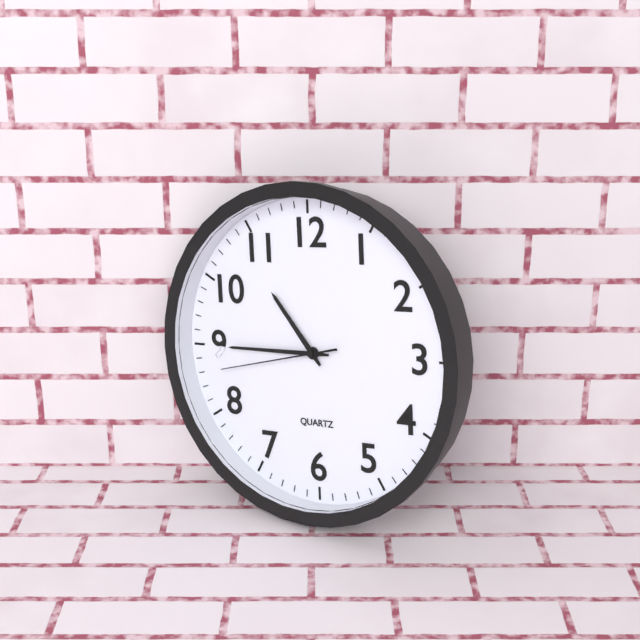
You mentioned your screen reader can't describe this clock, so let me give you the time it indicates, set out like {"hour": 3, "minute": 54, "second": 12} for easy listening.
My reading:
{"hour": 10, "minute": 45, "second": 43}
